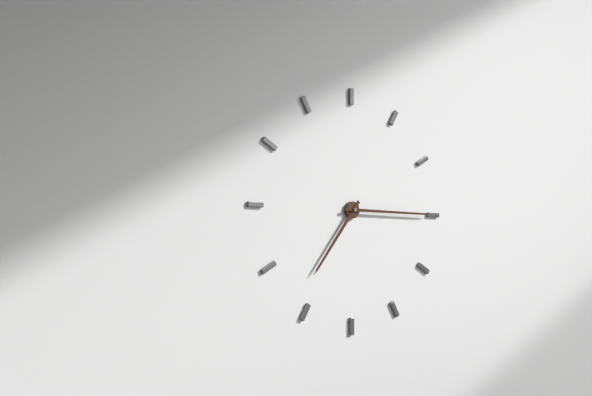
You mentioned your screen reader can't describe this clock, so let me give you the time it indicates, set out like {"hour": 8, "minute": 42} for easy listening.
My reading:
{"hour": 7, "minute": 15}
